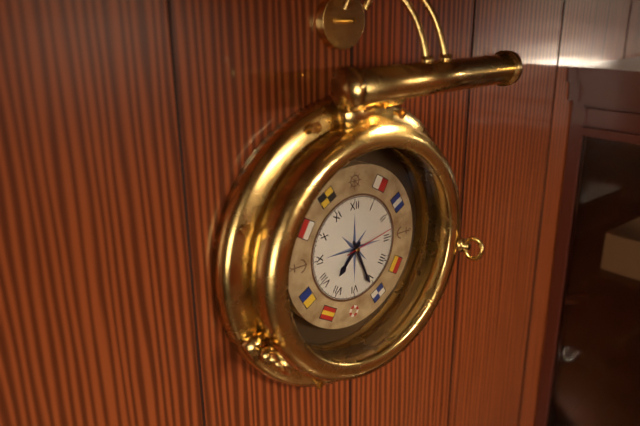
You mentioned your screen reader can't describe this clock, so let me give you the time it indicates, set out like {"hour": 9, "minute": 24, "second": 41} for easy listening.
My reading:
{"hour": 7, "minute": 26, "second": 13}
